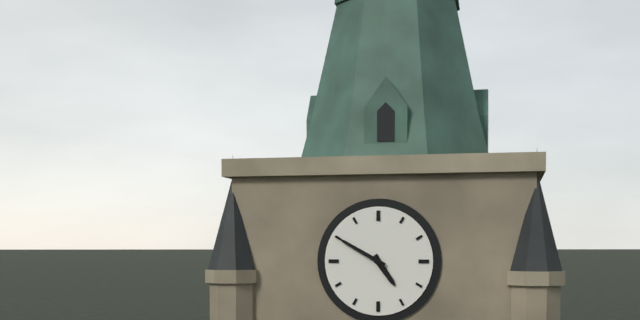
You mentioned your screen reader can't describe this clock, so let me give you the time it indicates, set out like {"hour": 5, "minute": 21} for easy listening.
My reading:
{"hour": 4, "minute": 50}
